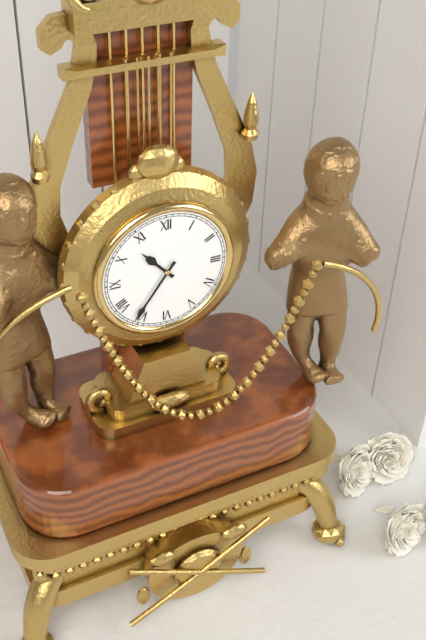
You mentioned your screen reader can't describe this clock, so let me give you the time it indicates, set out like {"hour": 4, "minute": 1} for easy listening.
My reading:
{"hour": 10, "minute": 36}
